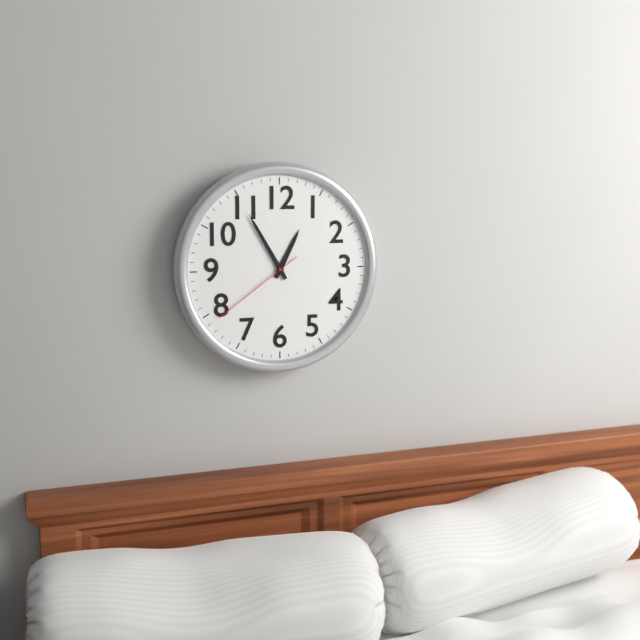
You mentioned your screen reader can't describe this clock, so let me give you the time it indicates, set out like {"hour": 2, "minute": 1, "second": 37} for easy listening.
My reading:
{"hour": 12, "minute": 55, "second": 39}
